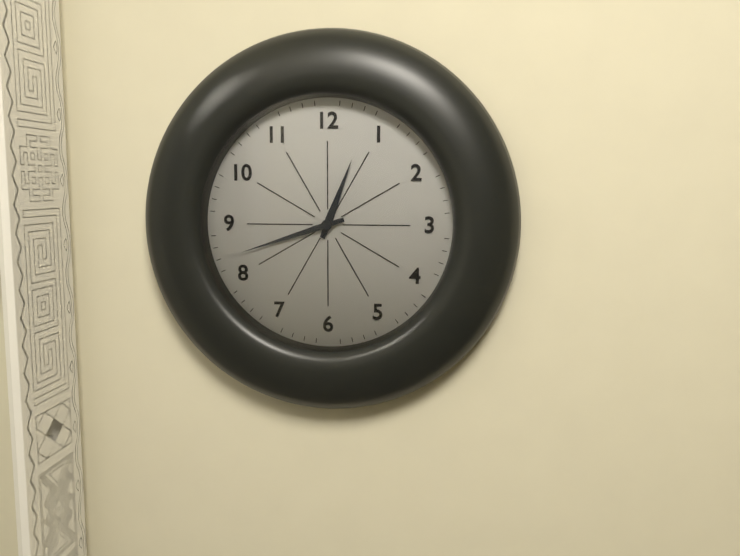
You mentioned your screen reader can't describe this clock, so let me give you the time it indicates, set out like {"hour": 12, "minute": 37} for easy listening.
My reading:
{"hour": 12, "minute": 42}
